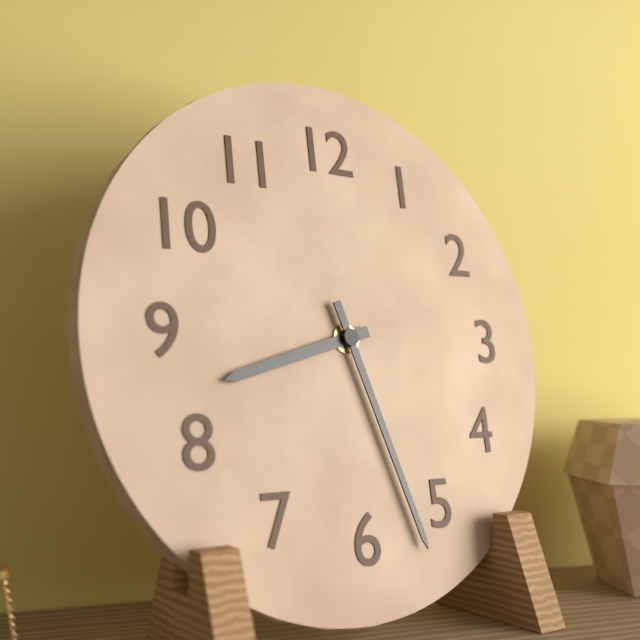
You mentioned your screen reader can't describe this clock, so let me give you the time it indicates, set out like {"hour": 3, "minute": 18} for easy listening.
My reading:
{"hour": 8, "minute": 27}
